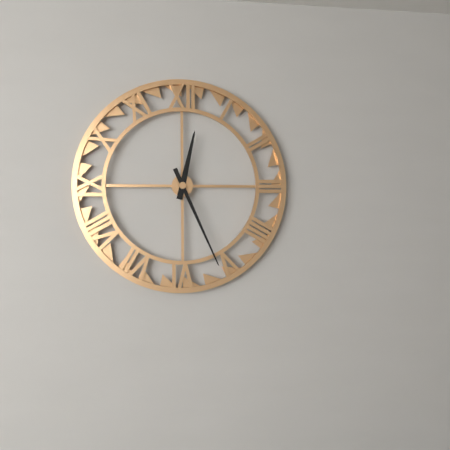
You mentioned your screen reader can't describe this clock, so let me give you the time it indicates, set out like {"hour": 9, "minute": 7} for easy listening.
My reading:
{"hour": 12, "minute": 26}
